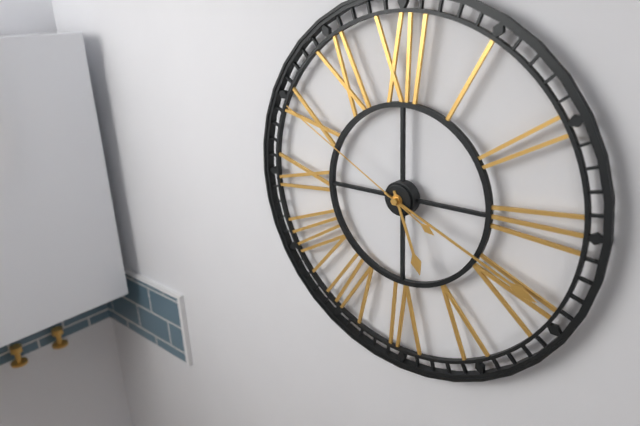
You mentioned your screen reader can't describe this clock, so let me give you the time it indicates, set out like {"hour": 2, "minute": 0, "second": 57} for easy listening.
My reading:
{"hour": 5, "minute": 19, "second": 50}
